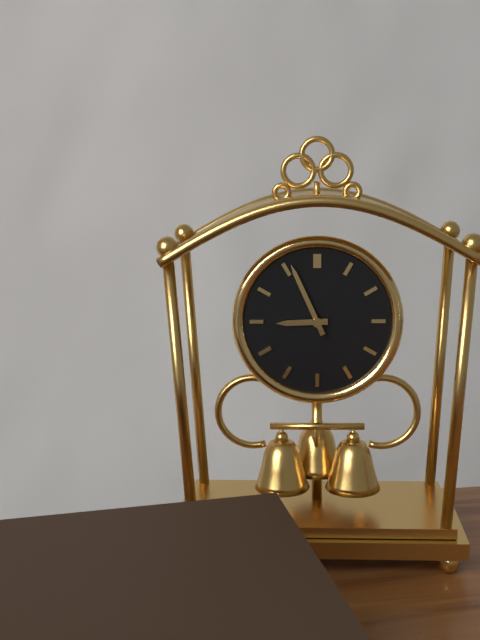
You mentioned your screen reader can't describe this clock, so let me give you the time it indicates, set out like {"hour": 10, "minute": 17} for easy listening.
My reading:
{"hour": 8, "minute": 56}
